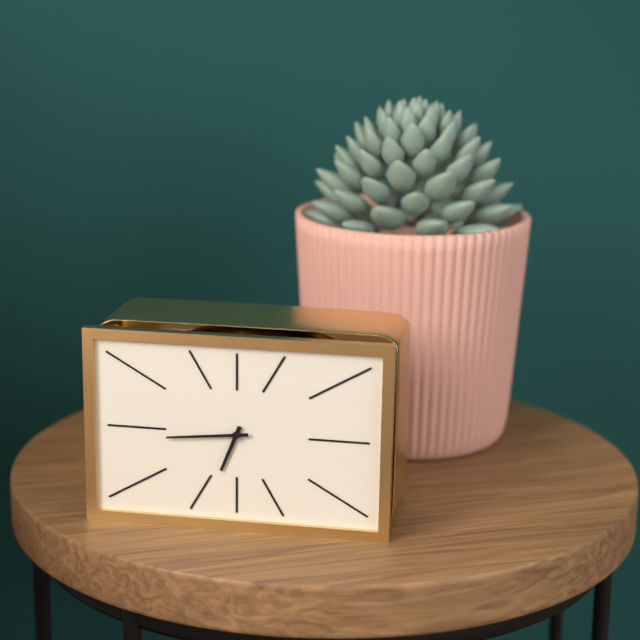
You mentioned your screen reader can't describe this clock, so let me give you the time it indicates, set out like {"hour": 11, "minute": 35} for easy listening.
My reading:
{"hour": 6, "minute": 44}
